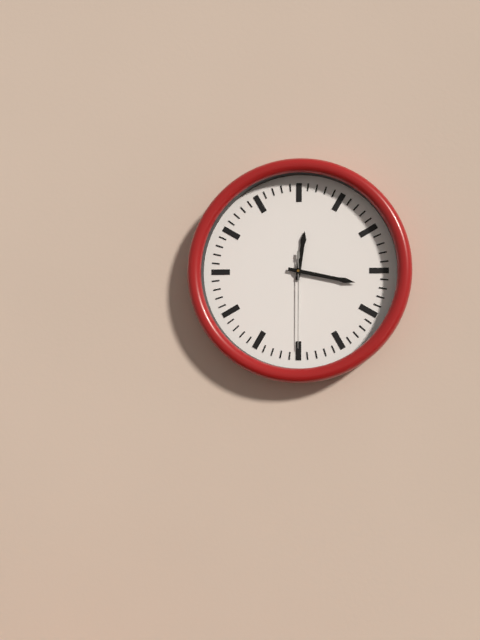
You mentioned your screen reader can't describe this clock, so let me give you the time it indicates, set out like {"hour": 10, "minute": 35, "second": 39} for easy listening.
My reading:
{"hour": 12, "minute": 17, "second": 30}
